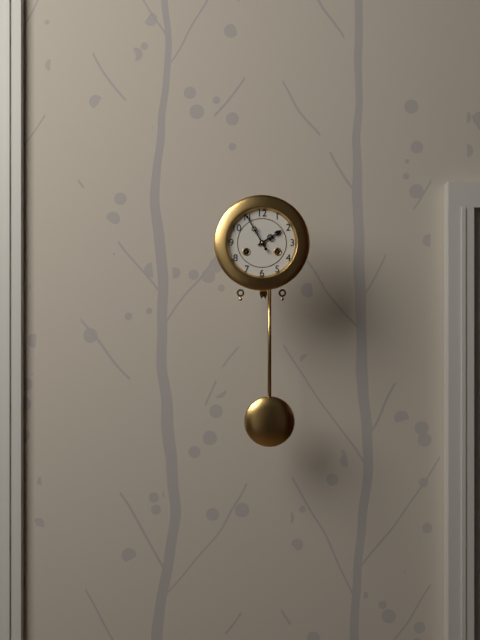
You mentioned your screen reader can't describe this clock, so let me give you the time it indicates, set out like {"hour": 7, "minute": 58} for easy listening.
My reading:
{"hour": 1, "minute": 55}
